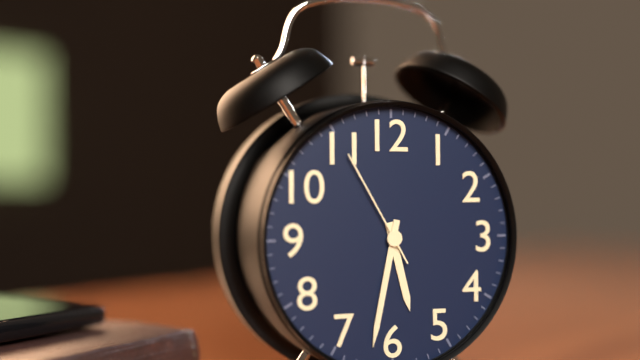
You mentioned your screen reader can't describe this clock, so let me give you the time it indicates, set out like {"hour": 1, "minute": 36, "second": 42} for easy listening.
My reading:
{"hour": 5, "minute": 32, "second": 55}
